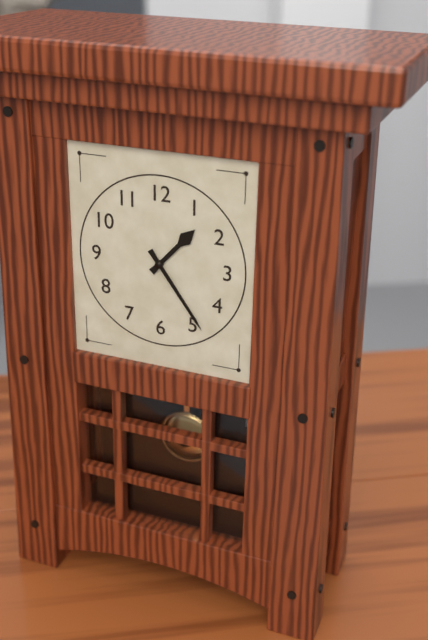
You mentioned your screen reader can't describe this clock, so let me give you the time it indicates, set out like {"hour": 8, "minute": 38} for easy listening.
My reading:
{"hour": 1, "minute": 24}
